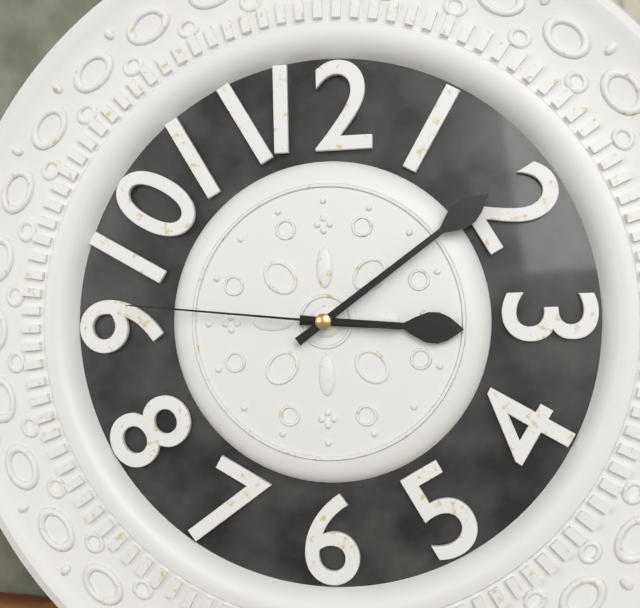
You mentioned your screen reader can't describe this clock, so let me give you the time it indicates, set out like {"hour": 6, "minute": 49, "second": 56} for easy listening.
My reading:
{"hour": 3, "minute": 9, "second": 46}
